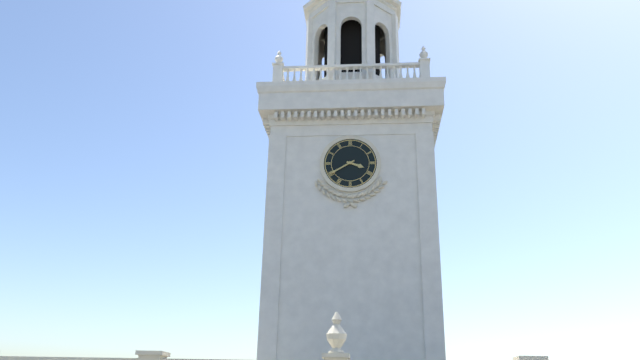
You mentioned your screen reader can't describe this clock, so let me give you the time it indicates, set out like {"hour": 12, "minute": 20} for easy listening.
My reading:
{"hour": 3, "minute": 40}
